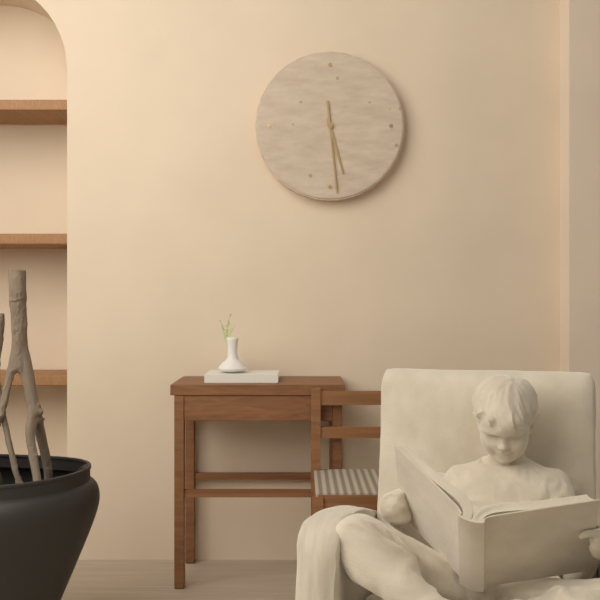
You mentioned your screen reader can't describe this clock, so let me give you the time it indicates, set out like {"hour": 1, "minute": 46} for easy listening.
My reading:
{"hour": 5, "minute": 29}
